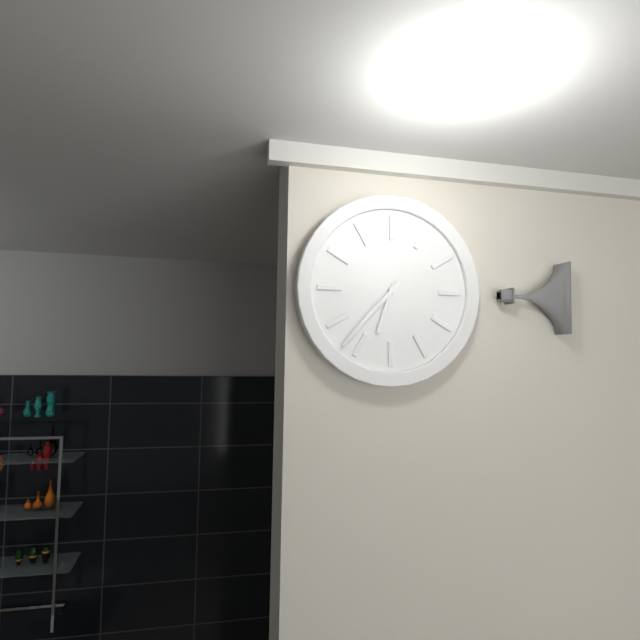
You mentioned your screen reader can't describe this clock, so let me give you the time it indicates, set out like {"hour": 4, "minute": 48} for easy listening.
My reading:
{"hour": 6, "minute": 37}
